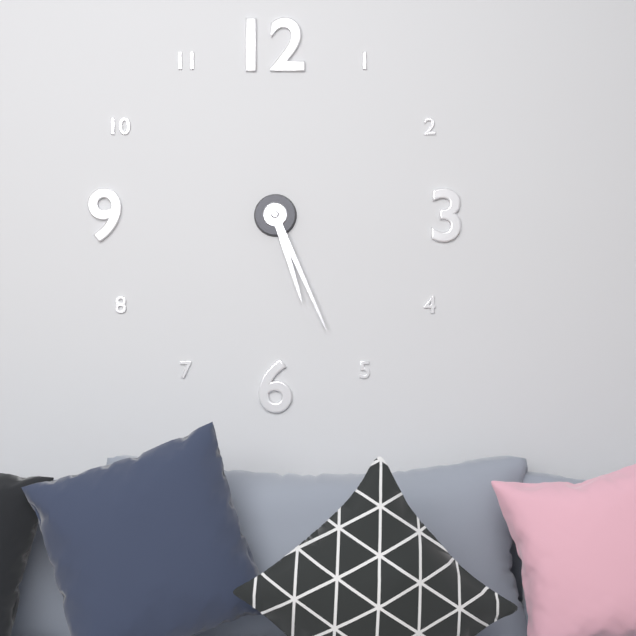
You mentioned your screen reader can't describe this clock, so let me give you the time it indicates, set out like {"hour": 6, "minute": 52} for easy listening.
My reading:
{"hour": 5, "minute": 26}
